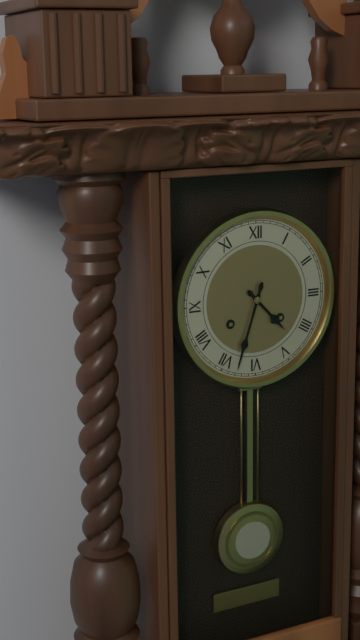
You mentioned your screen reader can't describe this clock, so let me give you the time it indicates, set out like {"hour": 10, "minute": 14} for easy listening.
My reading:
{"hour": 4, "minute": 33}
